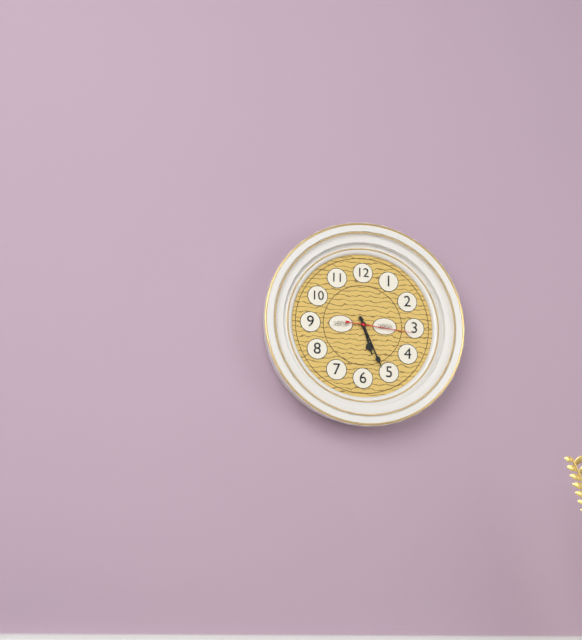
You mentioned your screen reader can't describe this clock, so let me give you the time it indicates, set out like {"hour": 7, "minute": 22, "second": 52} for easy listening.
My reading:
{"hour": 5, "minute": 26, "second": 16}
